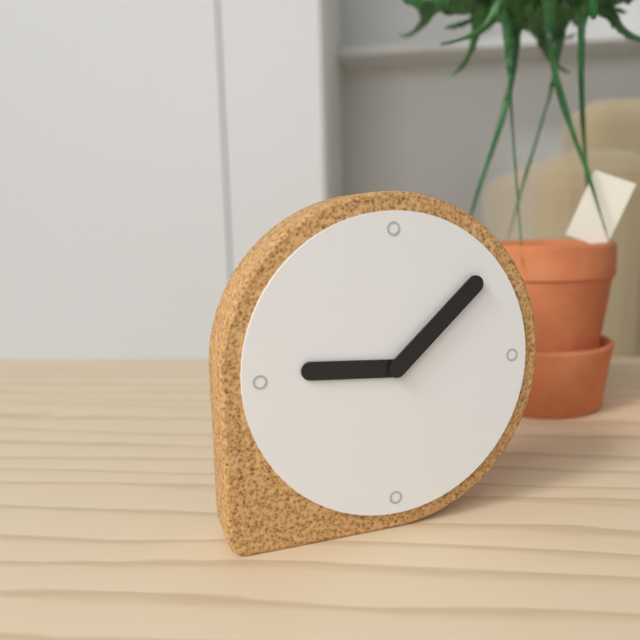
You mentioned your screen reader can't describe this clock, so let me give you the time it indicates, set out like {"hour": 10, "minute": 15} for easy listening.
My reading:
{"hour": 9, "minute": 8}
